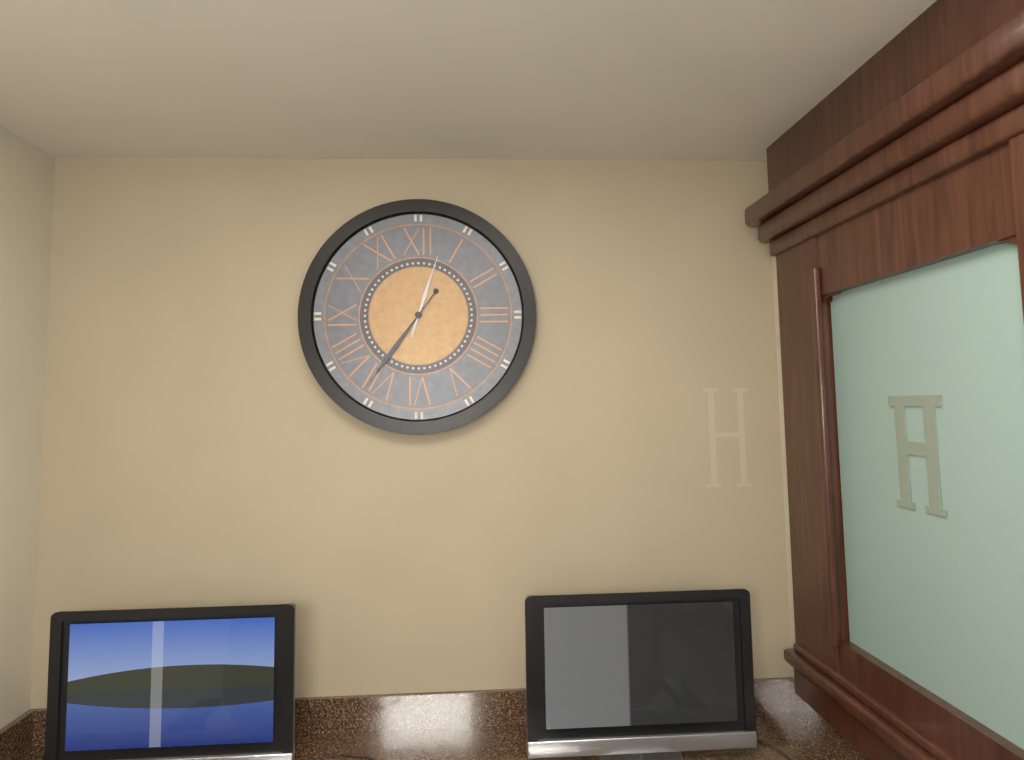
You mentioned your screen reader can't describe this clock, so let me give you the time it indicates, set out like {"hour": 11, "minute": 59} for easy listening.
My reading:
{"hour": 12, "minute": 36}
